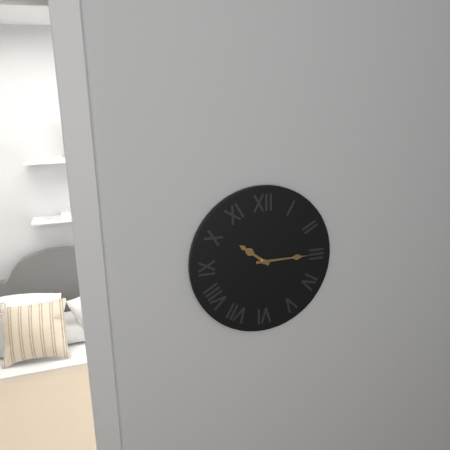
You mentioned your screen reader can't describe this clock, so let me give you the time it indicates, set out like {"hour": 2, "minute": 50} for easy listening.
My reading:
{"hour": 10, "minute": 15}
